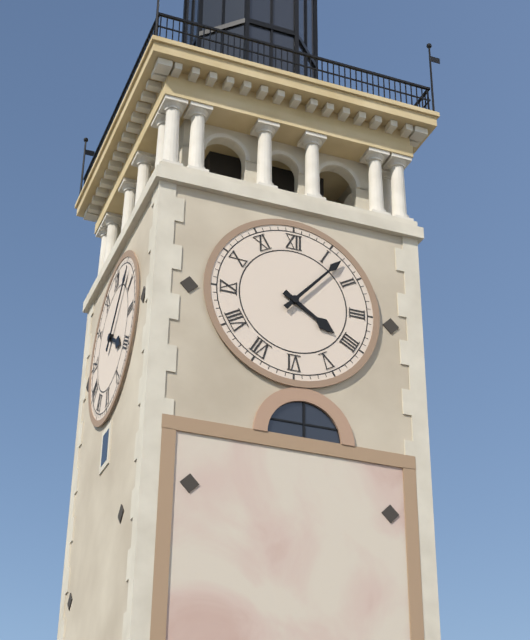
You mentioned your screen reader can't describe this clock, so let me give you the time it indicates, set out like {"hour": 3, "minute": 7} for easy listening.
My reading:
{"hour": 4, "minute": 7}
